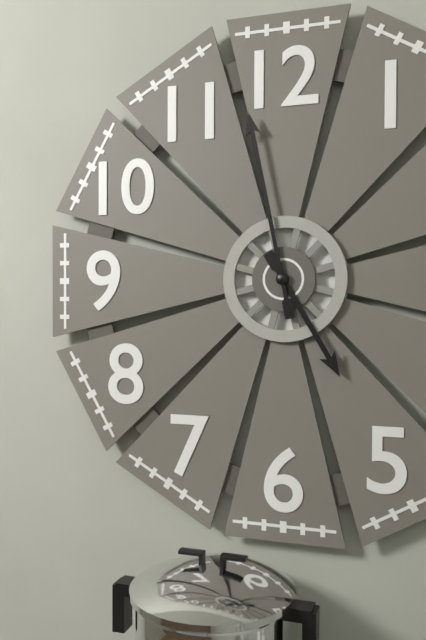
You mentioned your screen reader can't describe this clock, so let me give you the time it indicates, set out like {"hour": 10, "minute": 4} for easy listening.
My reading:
{"hour": 4, "minute": 58}
